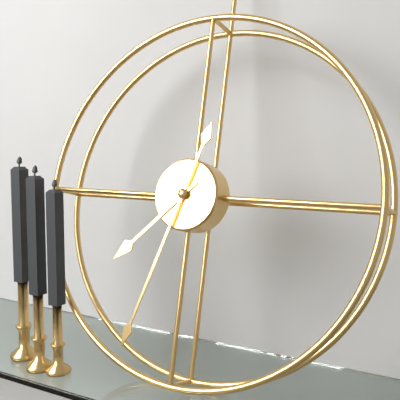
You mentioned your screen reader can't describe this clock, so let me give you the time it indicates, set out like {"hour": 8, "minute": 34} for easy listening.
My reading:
{"hour": 7, "minute": 33}
